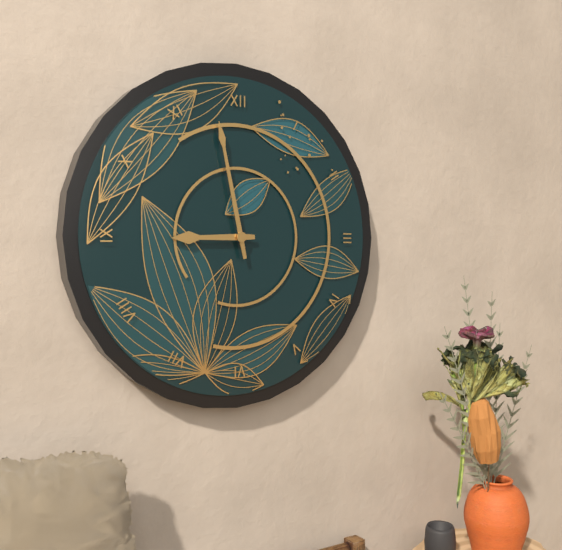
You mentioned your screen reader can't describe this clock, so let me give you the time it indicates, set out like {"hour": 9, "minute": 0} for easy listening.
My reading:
{"hour": 8, "minute": 58}
